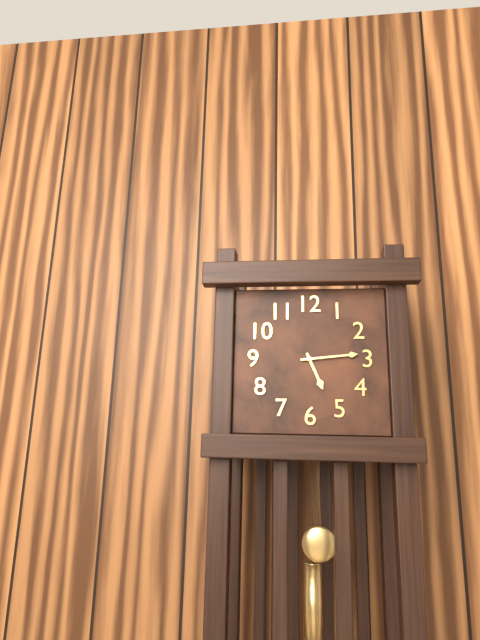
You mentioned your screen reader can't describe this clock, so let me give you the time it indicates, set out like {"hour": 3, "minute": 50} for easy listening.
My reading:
{"hour": 5, "minute": 14}
